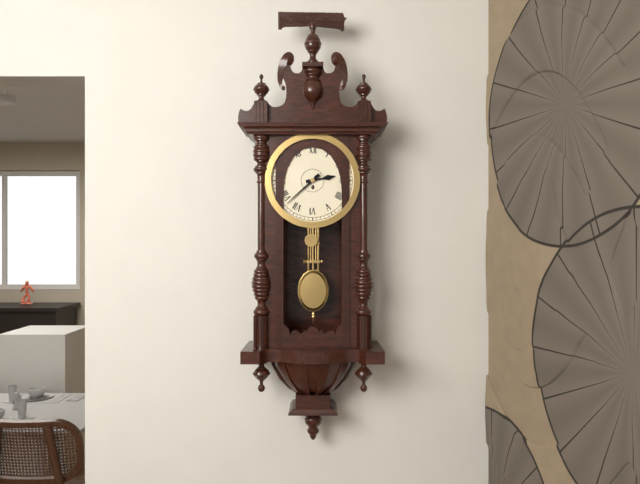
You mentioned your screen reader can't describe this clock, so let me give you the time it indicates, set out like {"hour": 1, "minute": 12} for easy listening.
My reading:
{"hour": 2, "minute": 38}
